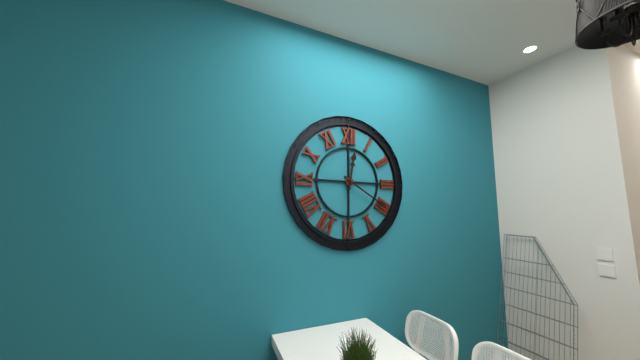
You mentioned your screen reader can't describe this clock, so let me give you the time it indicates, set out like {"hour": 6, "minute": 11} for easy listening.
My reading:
{"hour": 12, "minute": 20}
